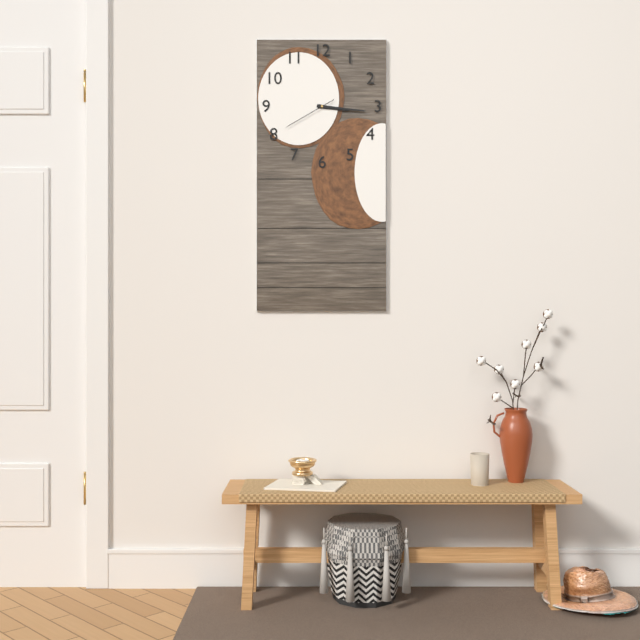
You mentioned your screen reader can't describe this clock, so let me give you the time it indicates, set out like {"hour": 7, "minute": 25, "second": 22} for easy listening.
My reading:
{"hour": 3, "minute": 16, "second": 40}
